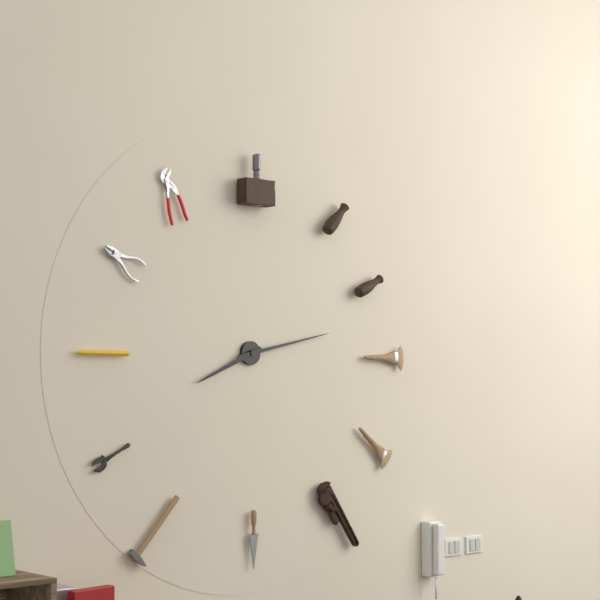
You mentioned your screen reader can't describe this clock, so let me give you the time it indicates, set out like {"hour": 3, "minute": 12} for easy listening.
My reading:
{"hour": 8, "minute": 13}
